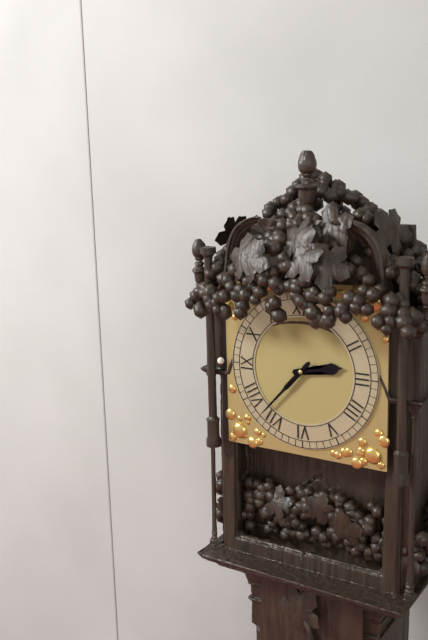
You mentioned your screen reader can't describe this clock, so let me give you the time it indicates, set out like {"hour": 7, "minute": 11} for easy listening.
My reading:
{"hour": 2, "minute": 37}
